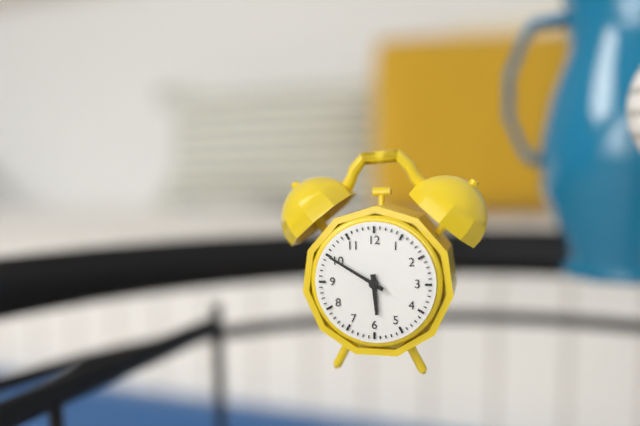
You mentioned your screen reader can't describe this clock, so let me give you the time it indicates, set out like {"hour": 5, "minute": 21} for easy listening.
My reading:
{"hour": 5, "minute": 50}
